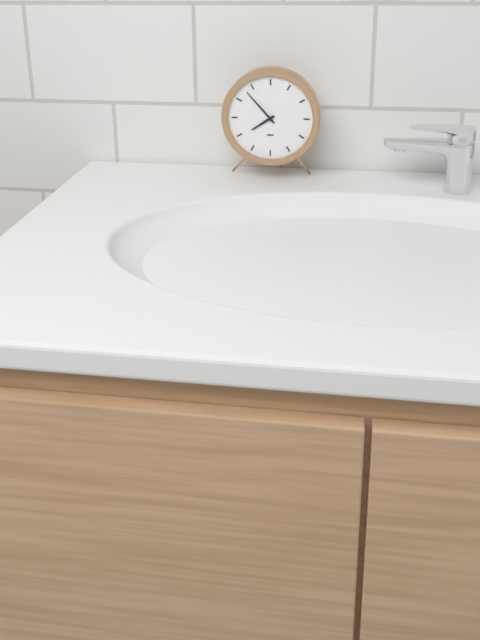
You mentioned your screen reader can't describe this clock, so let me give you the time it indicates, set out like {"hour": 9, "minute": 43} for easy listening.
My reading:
{"hour": 7, "minute": 53}
